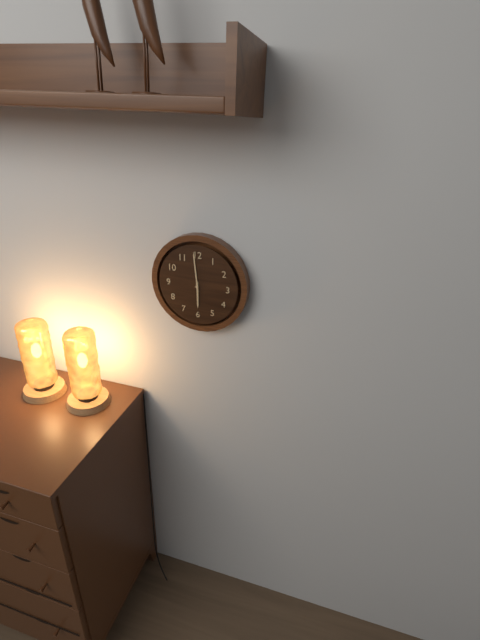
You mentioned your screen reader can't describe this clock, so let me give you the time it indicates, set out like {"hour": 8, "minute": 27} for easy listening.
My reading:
{"hour": 5, "minute": 59}
